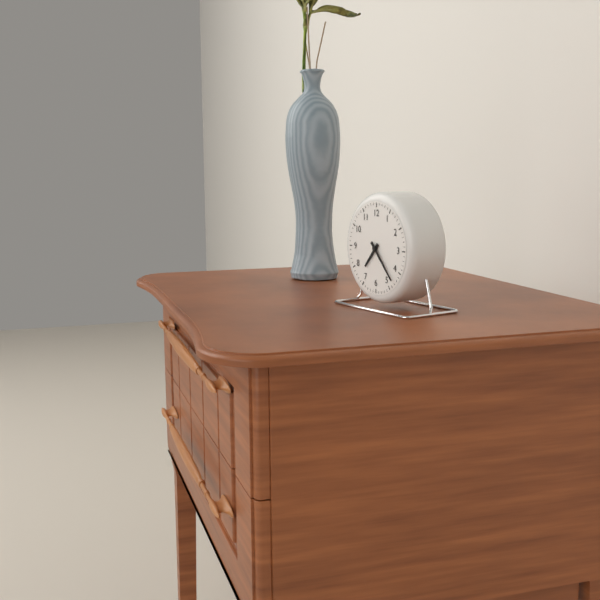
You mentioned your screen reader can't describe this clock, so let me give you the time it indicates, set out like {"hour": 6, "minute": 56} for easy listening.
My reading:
{"hour": 7, "minute": 23}
